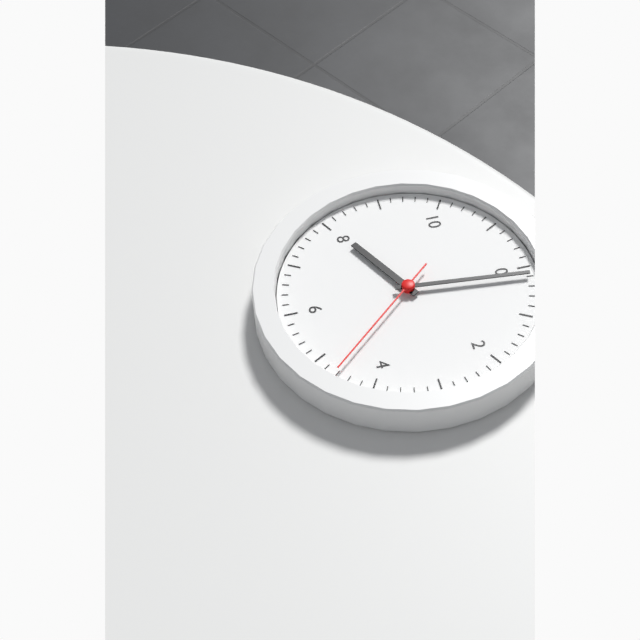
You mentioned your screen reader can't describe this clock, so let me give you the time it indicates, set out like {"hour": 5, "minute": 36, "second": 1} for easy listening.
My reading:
{"hour": 8, "minute": 1, "second": 23}
